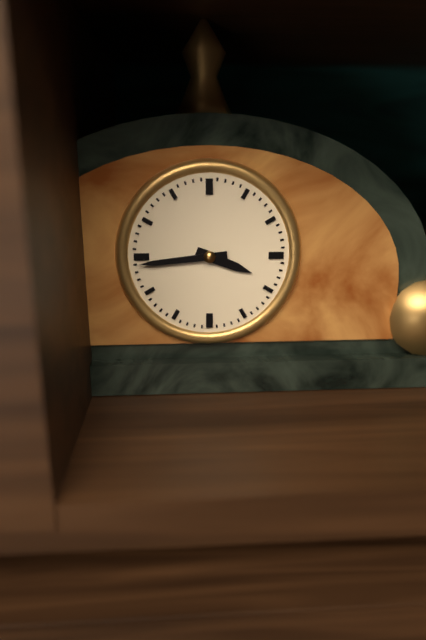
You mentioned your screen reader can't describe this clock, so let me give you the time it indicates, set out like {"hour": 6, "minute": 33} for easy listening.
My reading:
{"hour": 3, "minute": 44}
